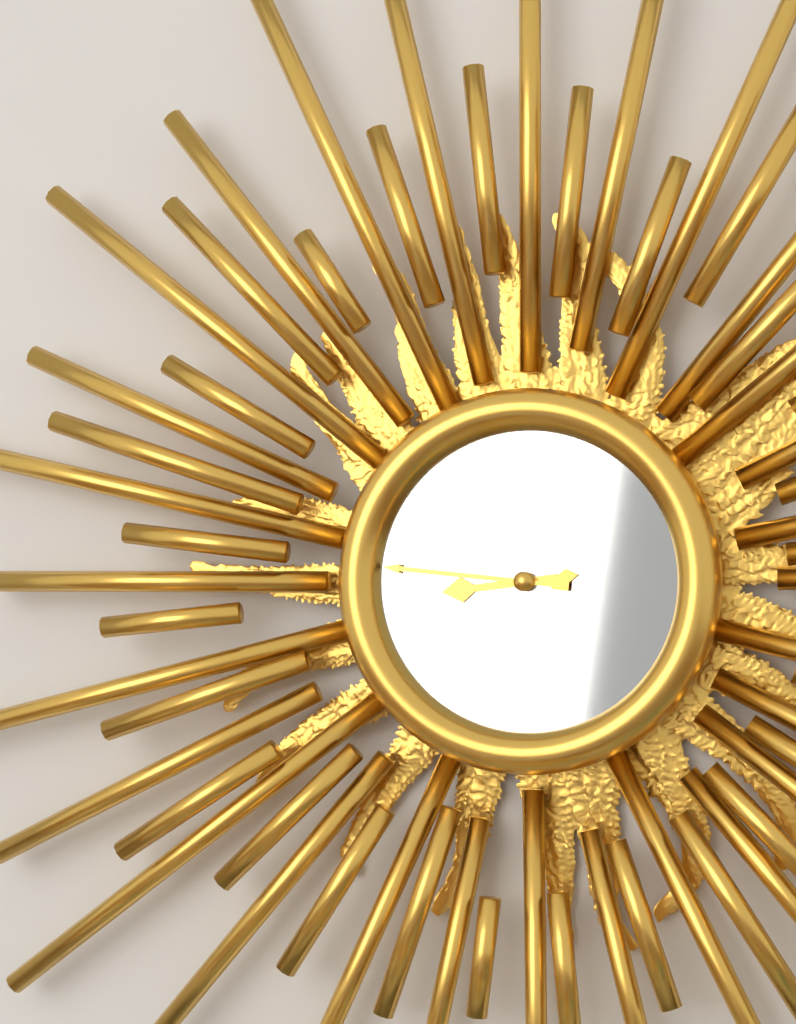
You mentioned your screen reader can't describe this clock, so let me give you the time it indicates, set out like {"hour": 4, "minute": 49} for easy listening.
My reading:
{"hour": 8, "minute": 46}
